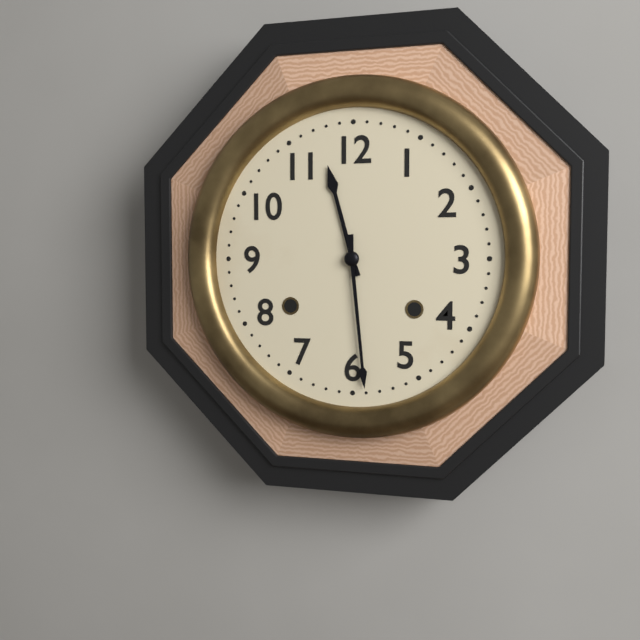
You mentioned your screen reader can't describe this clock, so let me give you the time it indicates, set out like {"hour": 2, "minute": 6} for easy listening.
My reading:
{"hour": 11, "minute": 29}
